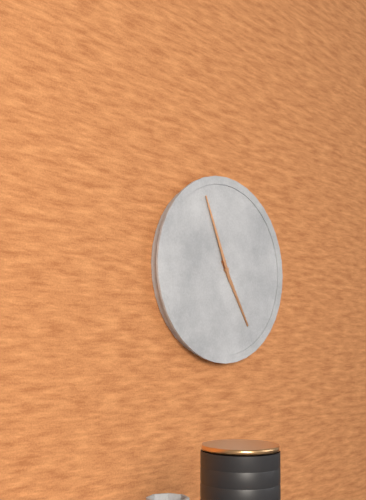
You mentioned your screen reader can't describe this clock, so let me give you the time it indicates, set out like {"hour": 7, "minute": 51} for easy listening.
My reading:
{"hour": 4, "minute": 56}
